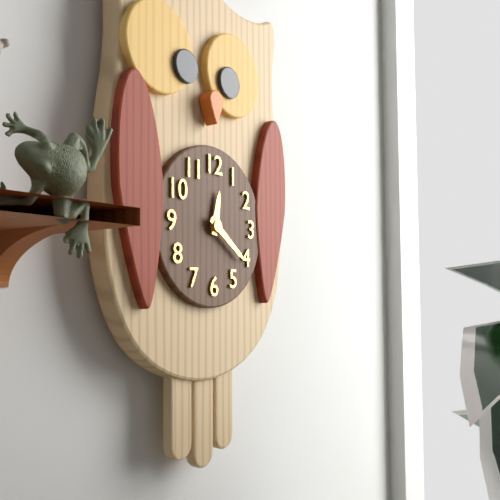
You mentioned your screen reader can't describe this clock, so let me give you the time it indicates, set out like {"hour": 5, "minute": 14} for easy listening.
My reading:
{"hour": 12, "minute": 21}
